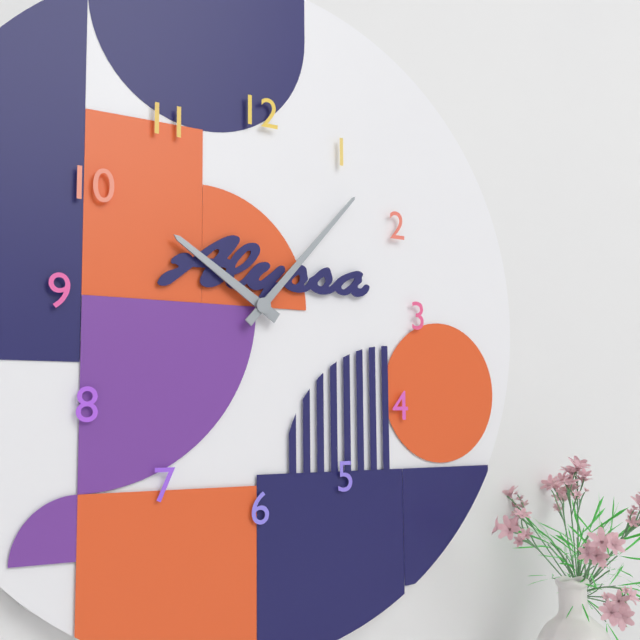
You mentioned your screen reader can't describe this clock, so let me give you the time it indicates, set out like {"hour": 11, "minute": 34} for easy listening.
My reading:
{"hour": 10, "minute": 7}
